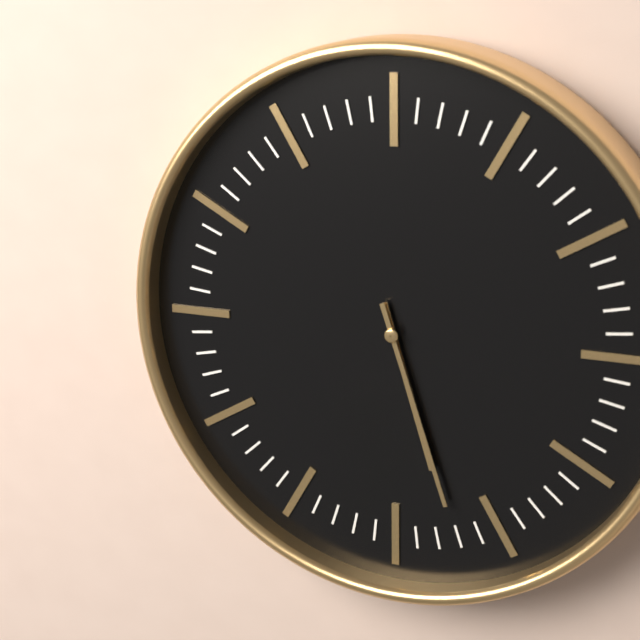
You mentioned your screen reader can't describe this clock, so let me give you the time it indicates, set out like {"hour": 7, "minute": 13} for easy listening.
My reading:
{"hour": 5, "minute": 27}
